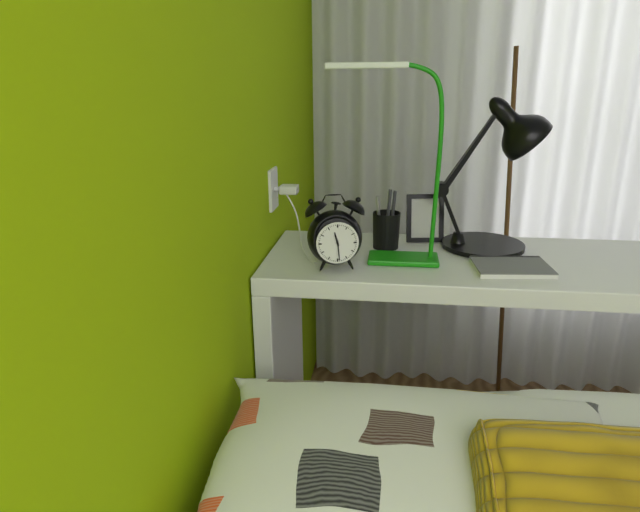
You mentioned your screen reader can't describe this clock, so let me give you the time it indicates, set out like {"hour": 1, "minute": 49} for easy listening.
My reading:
{"hour": 11, "minute": 29}
